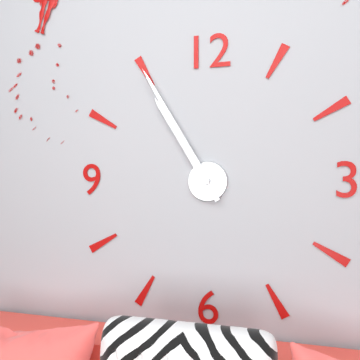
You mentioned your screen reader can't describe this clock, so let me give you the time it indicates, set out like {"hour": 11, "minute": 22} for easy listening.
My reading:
{"hour": 10, "minute": 55}
